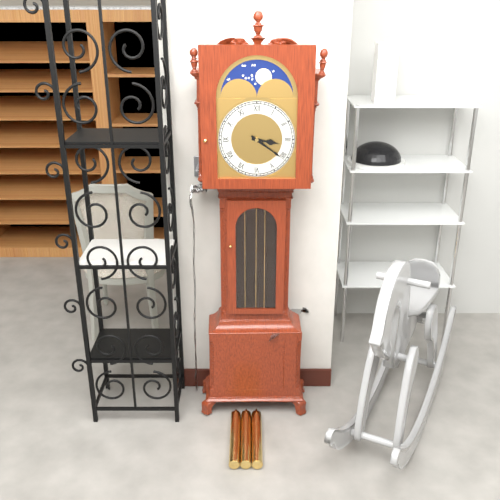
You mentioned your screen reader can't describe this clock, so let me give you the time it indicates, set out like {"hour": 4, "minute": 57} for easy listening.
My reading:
{"hour": 3, "minute": 21}
